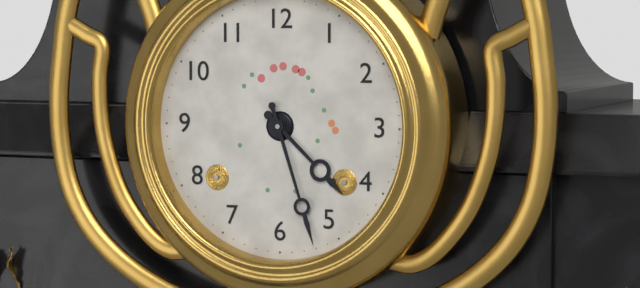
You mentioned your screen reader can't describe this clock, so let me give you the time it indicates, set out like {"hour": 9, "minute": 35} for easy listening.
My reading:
{"hour": 4, "minute": 27}
